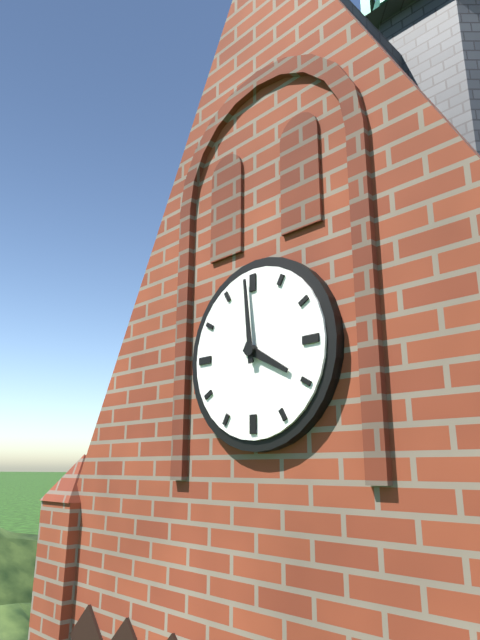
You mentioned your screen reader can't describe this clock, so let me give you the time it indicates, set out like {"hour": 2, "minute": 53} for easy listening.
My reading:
{"hour": 3, "minute": 59}
